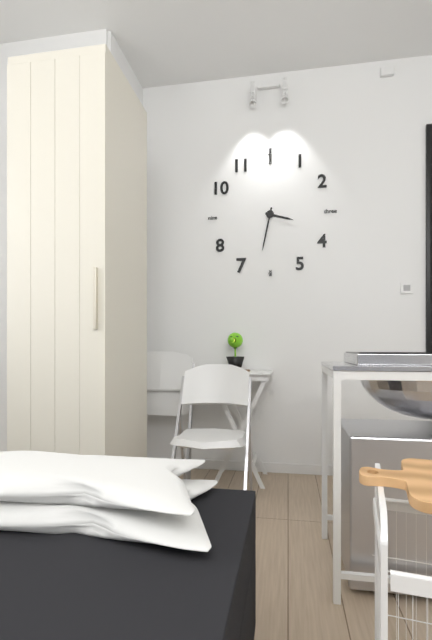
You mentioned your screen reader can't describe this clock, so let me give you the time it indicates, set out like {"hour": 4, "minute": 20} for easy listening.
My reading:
{"hour": 3, "minute": 32}
